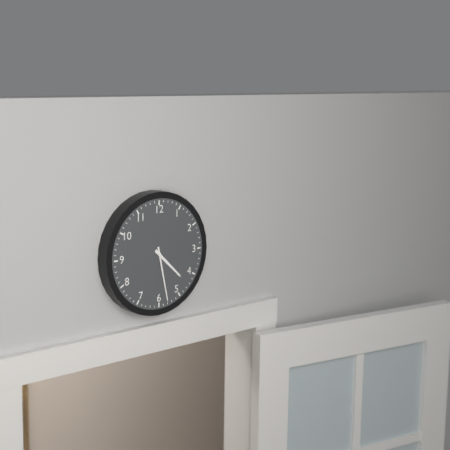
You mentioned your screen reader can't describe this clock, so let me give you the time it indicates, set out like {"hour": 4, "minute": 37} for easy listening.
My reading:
{"hour": 4, "minute": 28}
